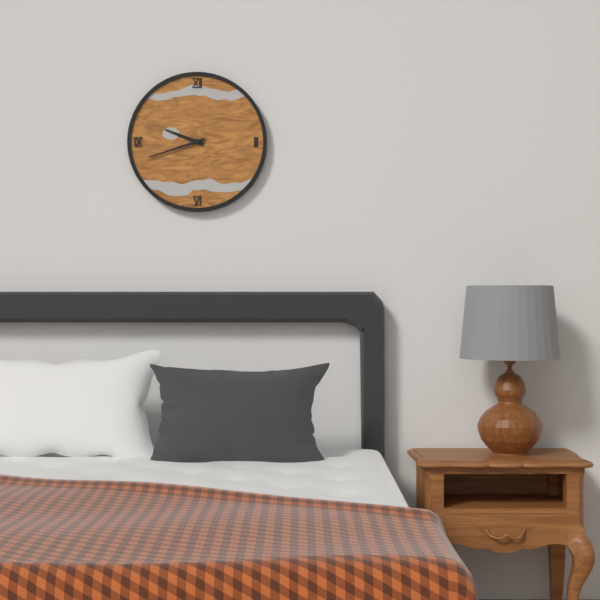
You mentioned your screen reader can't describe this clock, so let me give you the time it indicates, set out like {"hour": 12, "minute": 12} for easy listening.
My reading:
{"hour": 9, "minute": 42}
